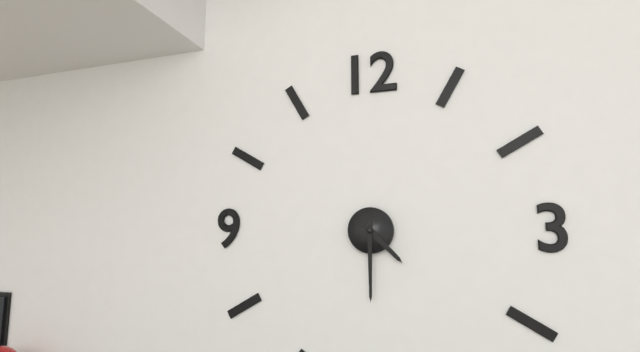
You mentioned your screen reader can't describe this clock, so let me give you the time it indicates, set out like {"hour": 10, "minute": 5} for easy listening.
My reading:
{"hour": 4, "minute": 30}
